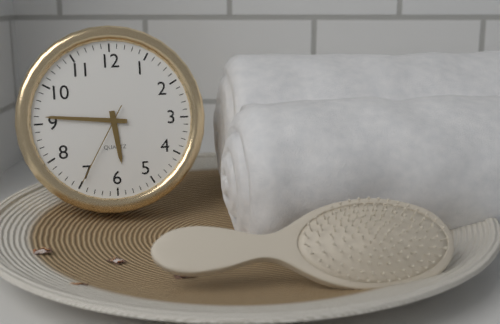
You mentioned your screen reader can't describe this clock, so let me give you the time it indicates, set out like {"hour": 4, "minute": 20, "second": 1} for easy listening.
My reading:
{"hour": 5, "minute": 46, "second": 35}
